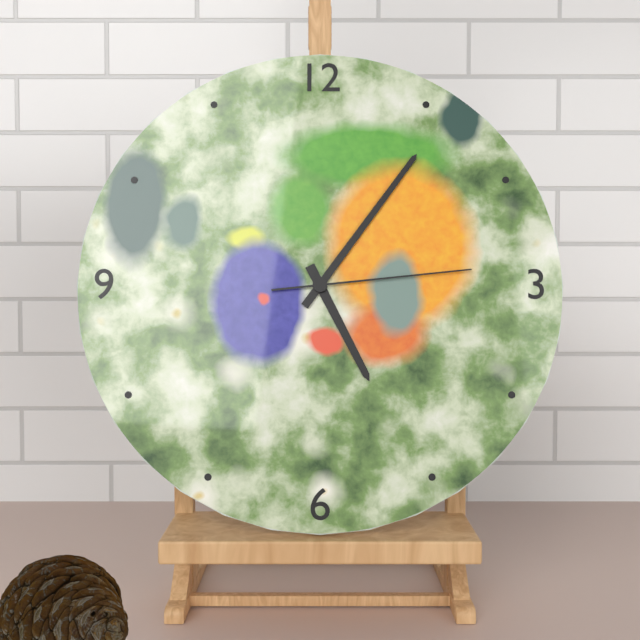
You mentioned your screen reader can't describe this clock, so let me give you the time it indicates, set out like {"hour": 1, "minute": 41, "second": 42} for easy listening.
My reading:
{"hour": 5, "minute": 6, "second": 14}
